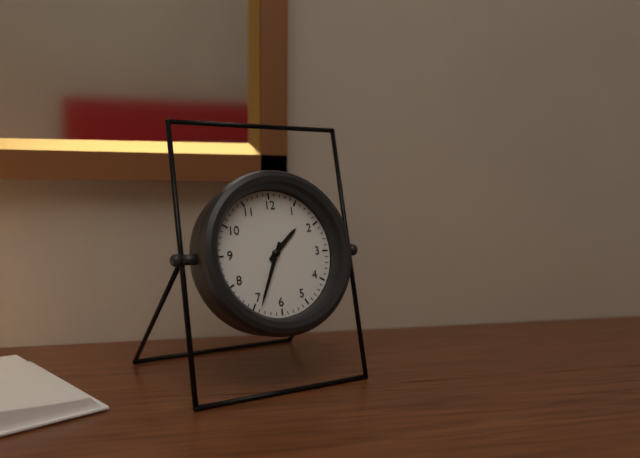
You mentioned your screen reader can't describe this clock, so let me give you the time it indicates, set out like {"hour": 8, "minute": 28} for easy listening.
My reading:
{"hour": 1, "minute": 34}
